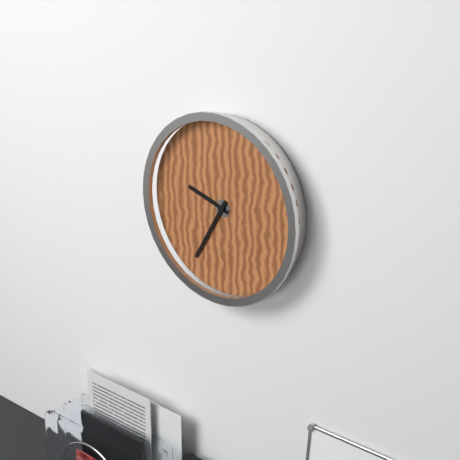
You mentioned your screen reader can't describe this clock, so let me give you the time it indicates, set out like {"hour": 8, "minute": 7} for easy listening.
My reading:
{"hour": 9, "minute": 35}
